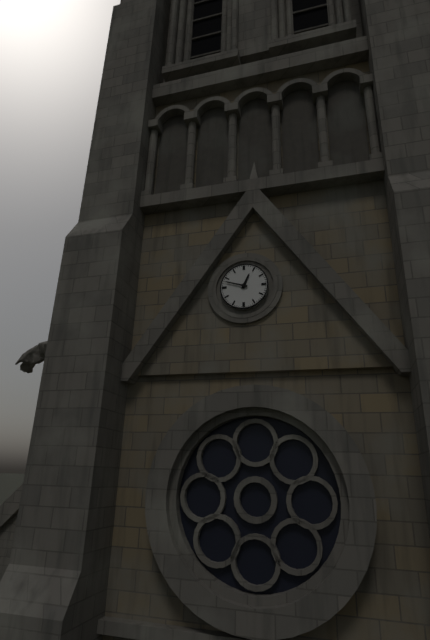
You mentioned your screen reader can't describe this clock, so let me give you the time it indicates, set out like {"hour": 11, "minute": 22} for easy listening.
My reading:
{"hour": 12, "minute": 48}
